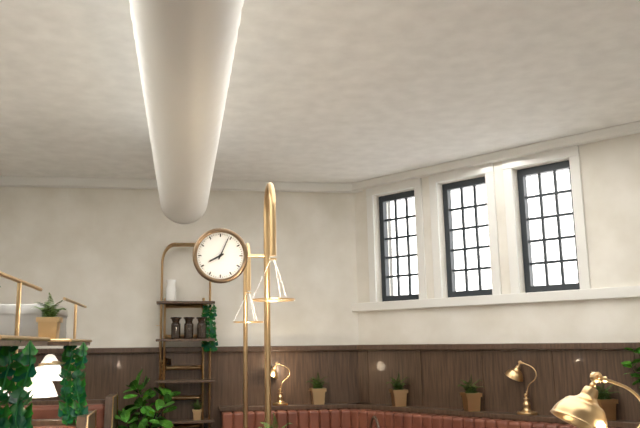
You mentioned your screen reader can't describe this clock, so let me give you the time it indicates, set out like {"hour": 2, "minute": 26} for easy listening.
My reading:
{"hour": 8, "minute": 4}
